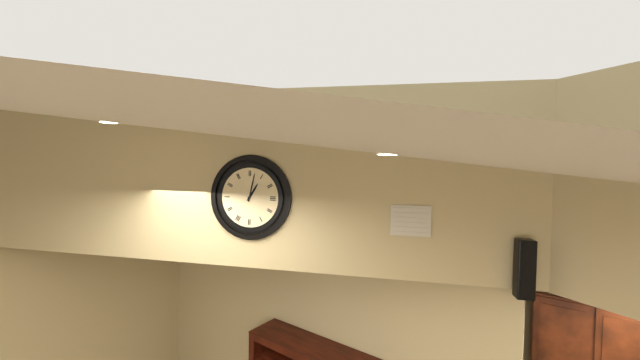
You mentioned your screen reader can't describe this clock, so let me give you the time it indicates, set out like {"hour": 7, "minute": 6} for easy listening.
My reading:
{"hour": 1, "minute": 2}
